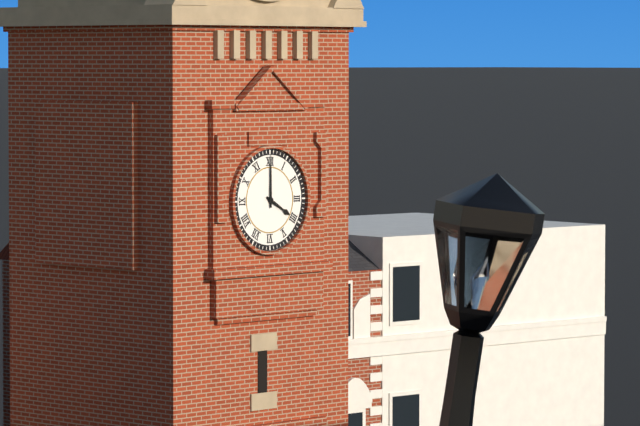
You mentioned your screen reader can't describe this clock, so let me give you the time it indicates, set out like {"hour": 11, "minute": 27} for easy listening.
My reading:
{"hour": 4, "minute": 0}
